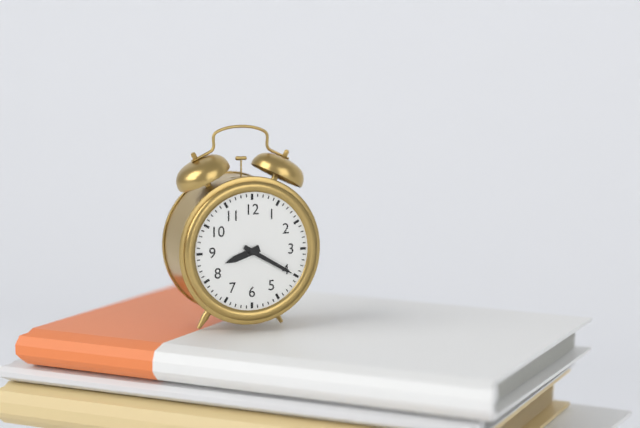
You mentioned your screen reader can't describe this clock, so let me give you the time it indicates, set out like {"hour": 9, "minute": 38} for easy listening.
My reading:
{"hour": 8, "minute": 20}
